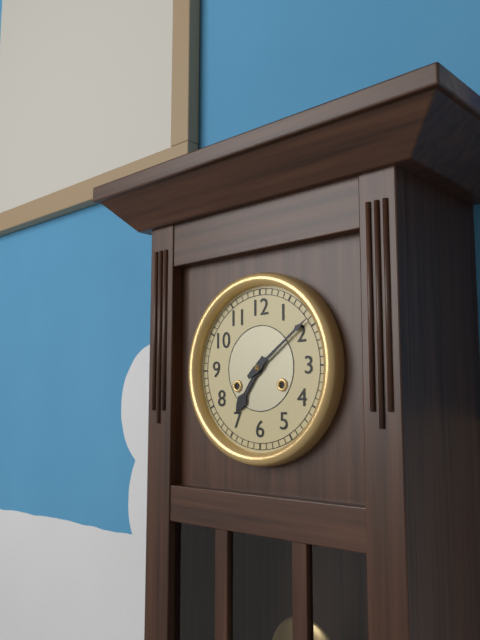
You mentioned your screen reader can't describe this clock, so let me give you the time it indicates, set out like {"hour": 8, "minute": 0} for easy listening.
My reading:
{"hour": 7, "minute": 9}
